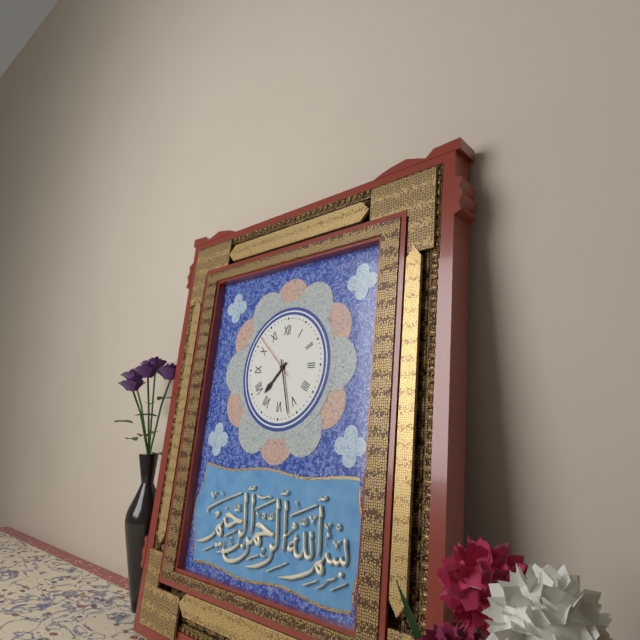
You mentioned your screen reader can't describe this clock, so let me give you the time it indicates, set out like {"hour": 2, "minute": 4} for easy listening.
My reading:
{"hour": 7, "minute": 27}
